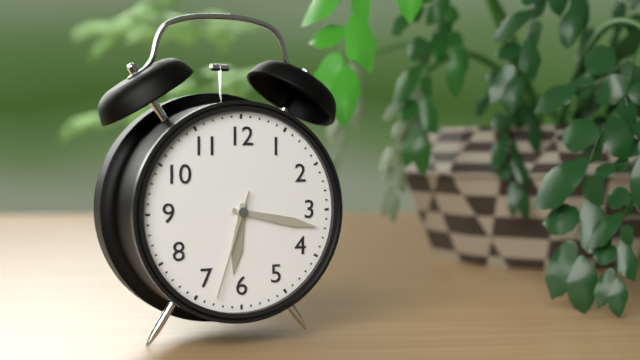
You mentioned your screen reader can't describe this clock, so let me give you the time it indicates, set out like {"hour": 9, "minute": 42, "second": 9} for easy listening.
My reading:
{"hour": 6, "minute": 17, "second": 33}
